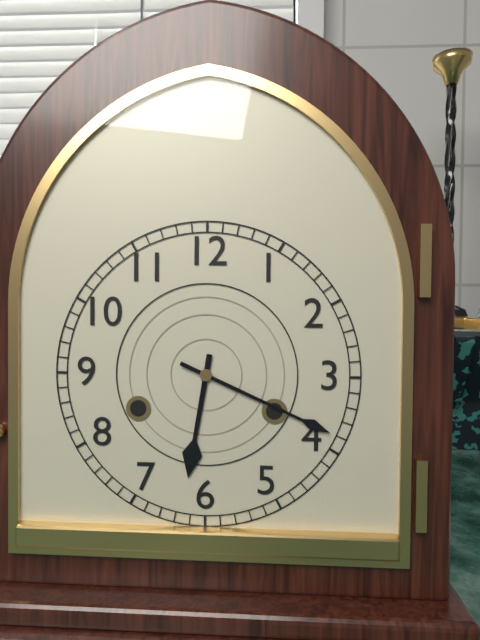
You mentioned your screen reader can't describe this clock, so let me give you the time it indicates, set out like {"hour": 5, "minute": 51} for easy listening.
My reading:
{"hour": 6, "minute": 19}
